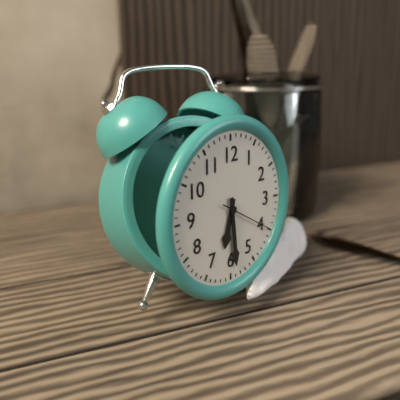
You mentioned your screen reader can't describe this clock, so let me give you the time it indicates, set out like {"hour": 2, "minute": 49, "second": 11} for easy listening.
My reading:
{"hour": 6, "minute": 29, "second": 20}
